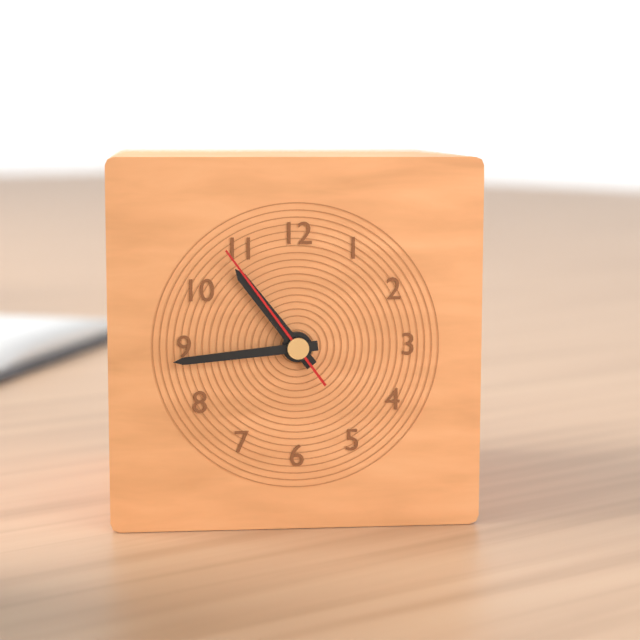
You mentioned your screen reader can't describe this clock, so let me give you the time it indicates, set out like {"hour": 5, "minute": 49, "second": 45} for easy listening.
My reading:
{"hour": 10, "minute": 44, "second": 54}
